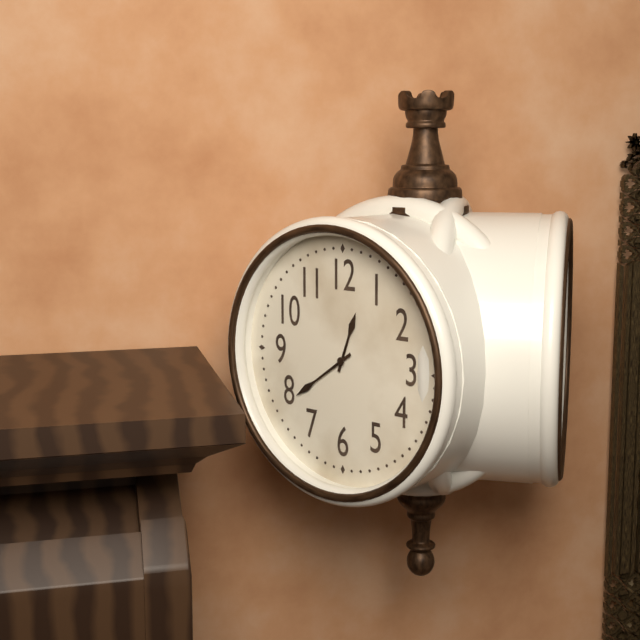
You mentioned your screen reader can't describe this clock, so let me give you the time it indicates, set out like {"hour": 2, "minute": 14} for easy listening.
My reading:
{"hour": 12, "minute": 39}
